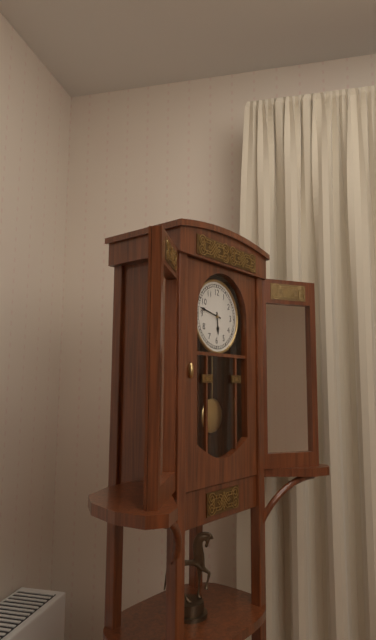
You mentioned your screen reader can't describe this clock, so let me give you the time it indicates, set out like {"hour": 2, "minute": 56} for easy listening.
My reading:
{"hour": 5, "minute": 47}
